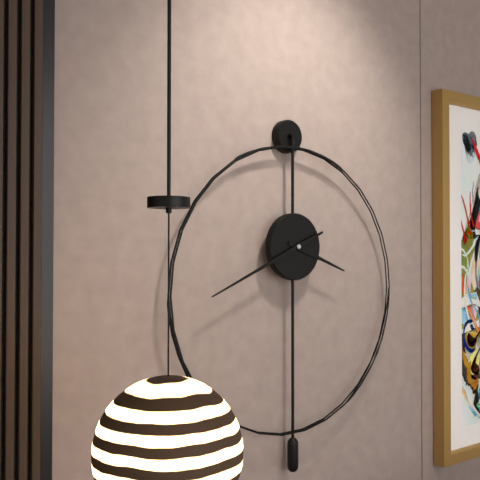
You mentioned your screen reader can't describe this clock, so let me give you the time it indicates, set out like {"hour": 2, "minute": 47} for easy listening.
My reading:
{"hour": 3, "minute": 41}
